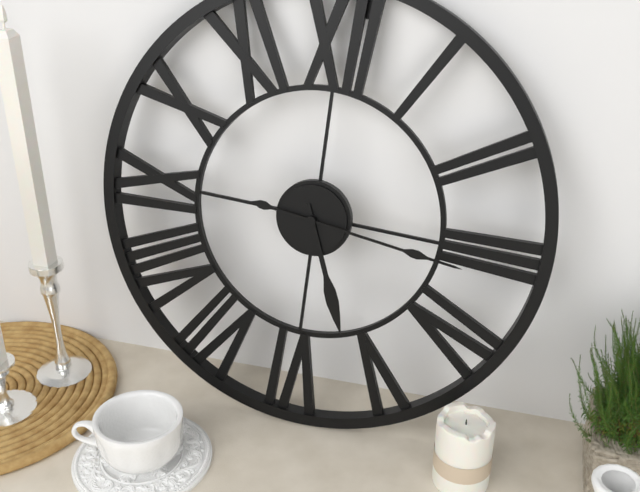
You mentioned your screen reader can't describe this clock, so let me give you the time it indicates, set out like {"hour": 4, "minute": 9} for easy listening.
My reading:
{"hour": 5, "minute": 16}
